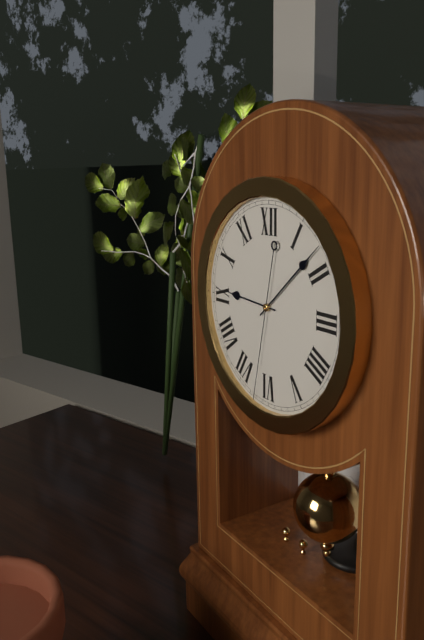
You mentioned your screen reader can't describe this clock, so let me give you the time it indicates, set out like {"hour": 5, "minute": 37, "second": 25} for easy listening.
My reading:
{"hour": 9, "minute": 8, "second": 32}
